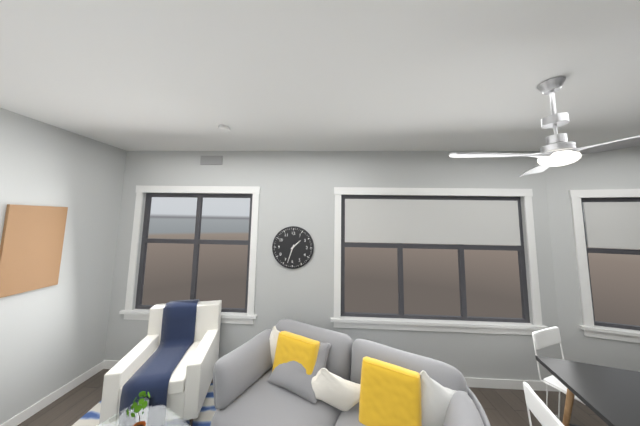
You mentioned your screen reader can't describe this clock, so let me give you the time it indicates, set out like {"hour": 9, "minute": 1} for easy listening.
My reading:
{"hour": 1, "minute": 33}
